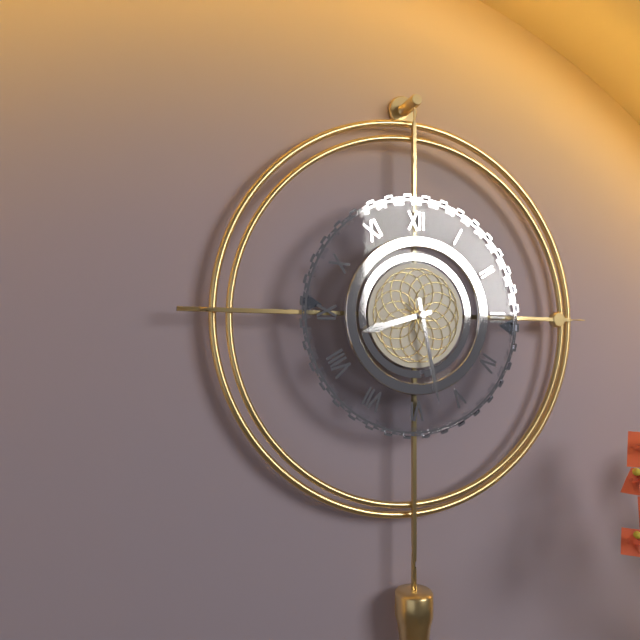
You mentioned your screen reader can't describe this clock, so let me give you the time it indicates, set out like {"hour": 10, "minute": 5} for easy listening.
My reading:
{"hour": 8, "minute": 28}
